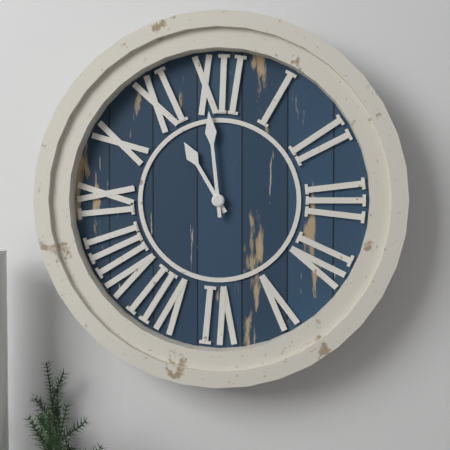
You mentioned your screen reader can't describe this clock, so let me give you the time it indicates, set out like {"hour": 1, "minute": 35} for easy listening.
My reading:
{"hour": 10, "minute": 59}
